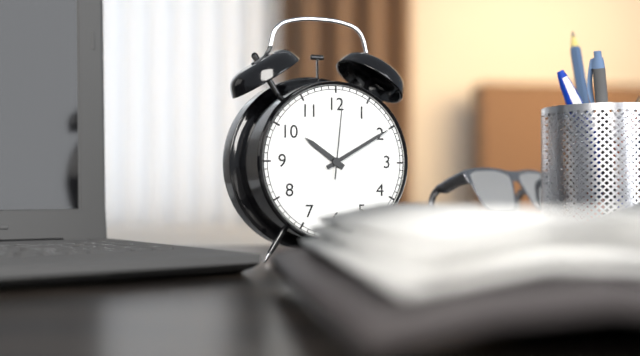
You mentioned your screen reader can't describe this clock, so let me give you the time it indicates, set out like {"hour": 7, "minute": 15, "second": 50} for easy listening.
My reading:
{"hour": 10, "minute": 10, "second": 1}
